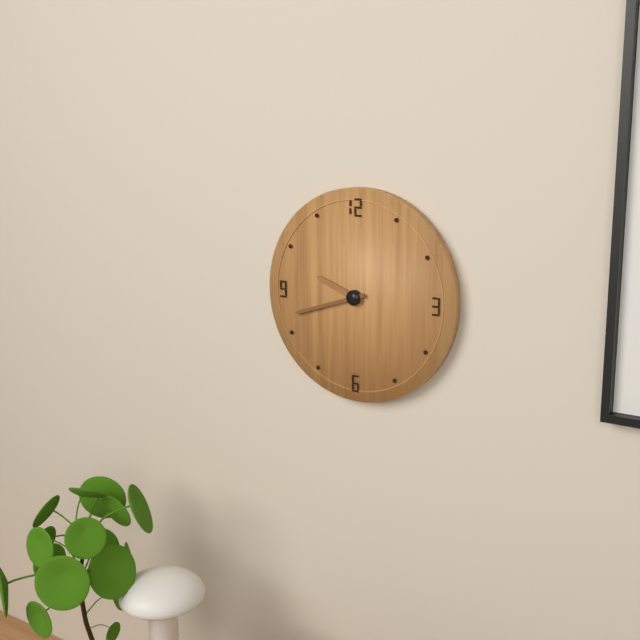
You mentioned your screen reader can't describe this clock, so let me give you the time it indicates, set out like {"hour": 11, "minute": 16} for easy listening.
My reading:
{"hour": 9, "minute": 42}
